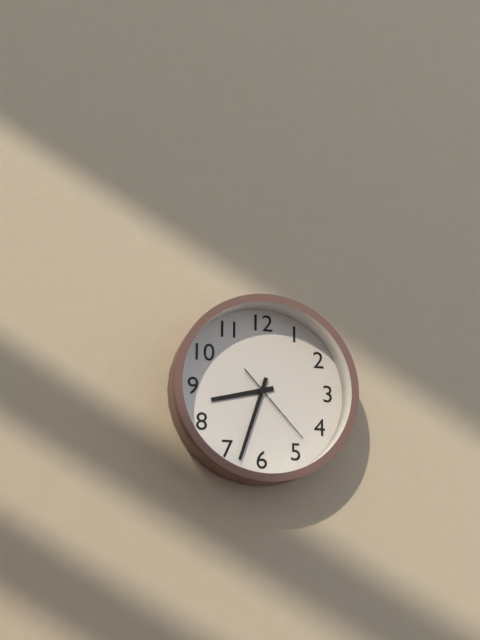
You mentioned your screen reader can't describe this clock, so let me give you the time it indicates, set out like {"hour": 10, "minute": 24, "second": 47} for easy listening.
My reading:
{"hour": 8, "minute": 33, "second": 23}
